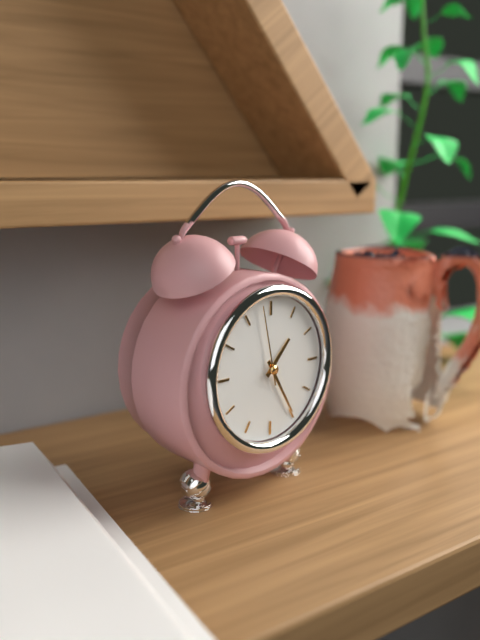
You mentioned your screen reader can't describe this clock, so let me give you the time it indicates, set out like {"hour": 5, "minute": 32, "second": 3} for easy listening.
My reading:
{"hour": 1, "minute": 25, "second": 58}
